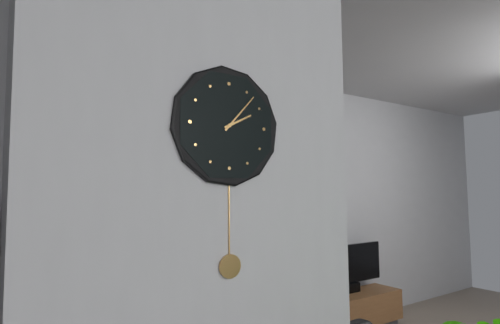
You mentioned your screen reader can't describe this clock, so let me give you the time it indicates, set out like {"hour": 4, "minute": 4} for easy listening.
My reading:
{"hour": 2, "minute": 7}
